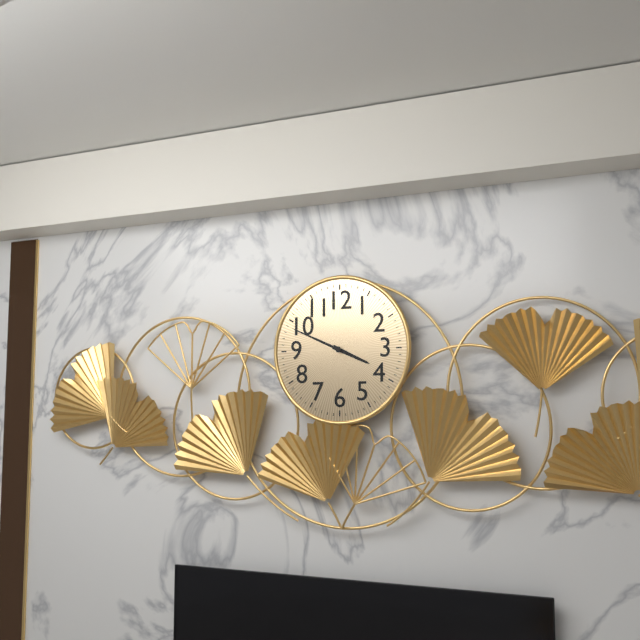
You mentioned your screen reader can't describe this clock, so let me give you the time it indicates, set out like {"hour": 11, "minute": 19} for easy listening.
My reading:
{"hour": 3, "minute": 49}
